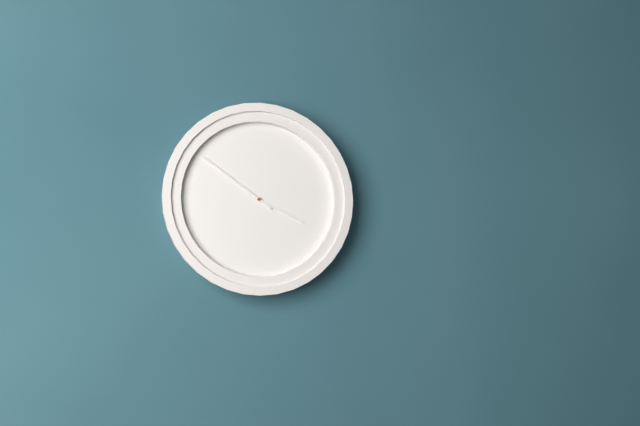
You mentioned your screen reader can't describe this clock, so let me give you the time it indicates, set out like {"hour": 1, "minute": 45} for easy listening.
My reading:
{"hour": 3, "minute": 51}
